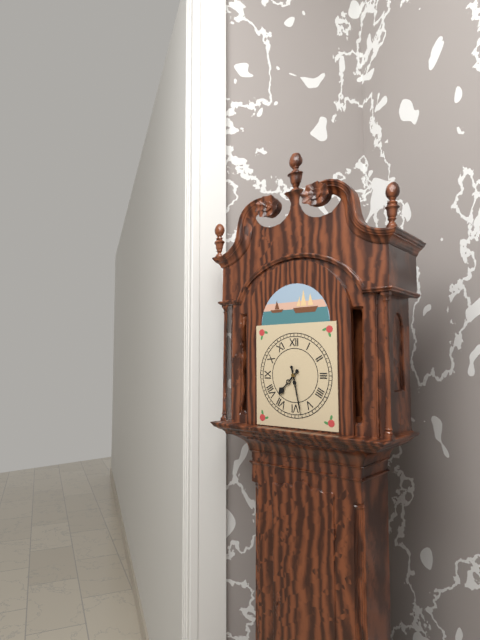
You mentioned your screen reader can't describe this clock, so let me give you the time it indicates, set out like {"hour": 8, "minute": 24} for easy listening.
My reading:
{"hour": 7, "minute": 28}
